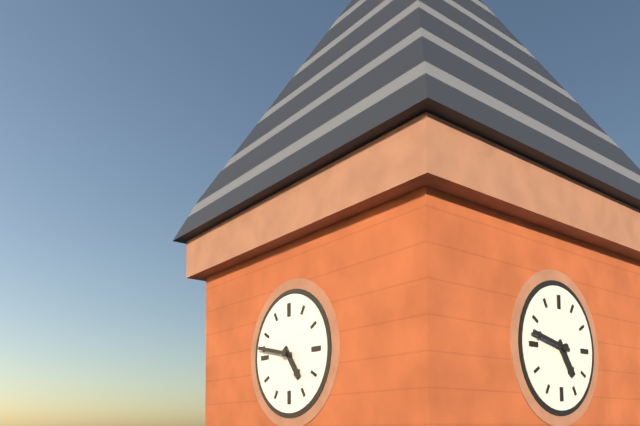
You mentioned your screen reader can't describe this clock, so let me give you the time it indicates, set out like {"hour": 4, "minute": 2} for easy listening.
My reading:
{"hour": 4, "minute": 47}
